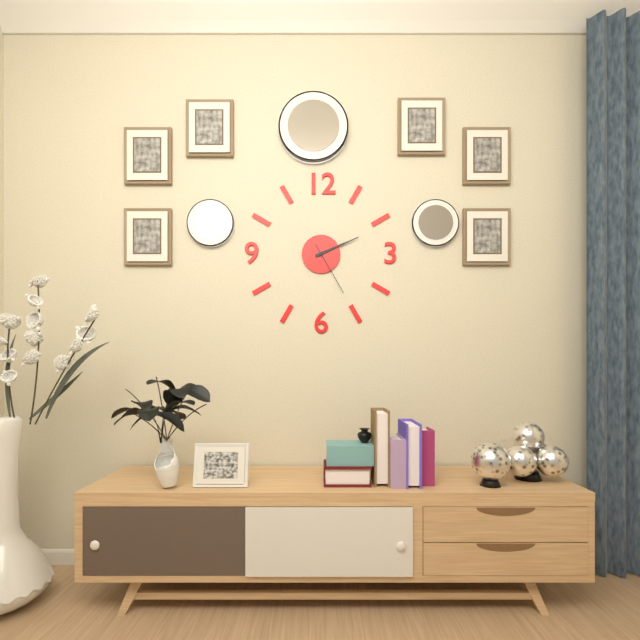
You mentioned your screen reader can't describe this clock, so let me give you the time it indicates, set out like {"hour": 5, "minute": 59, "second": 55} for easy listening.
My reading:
{"hour": 2, "minute": 11, "second": 25}
